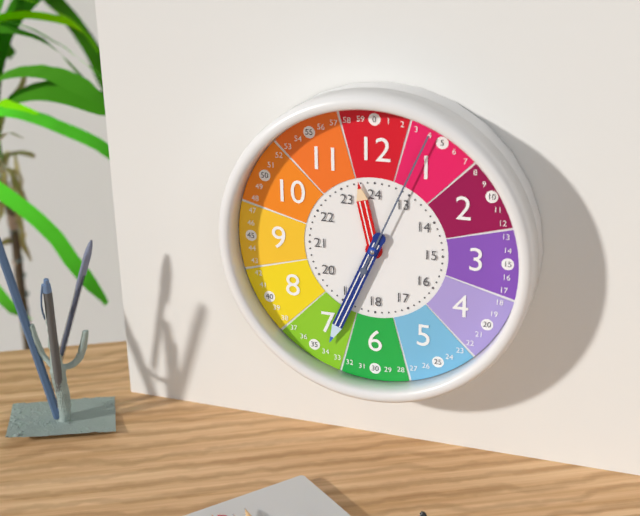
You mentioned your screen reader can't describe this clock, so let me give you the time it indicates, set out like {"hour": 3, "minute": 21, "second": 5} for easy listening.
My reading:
{"hour": 11, "minute": 34, "second": 4}
